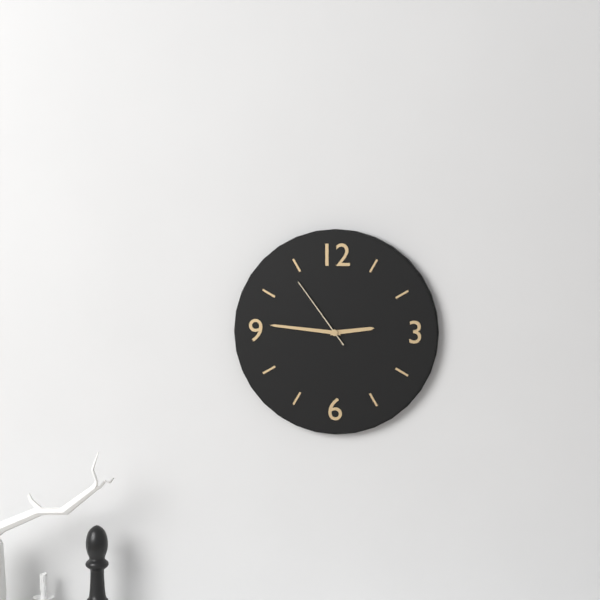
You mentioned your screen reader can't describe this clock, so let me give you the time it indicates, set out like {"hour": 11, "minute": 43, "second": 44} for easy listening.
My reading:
{"hour": 2, "minute": 46, "second": 54}
